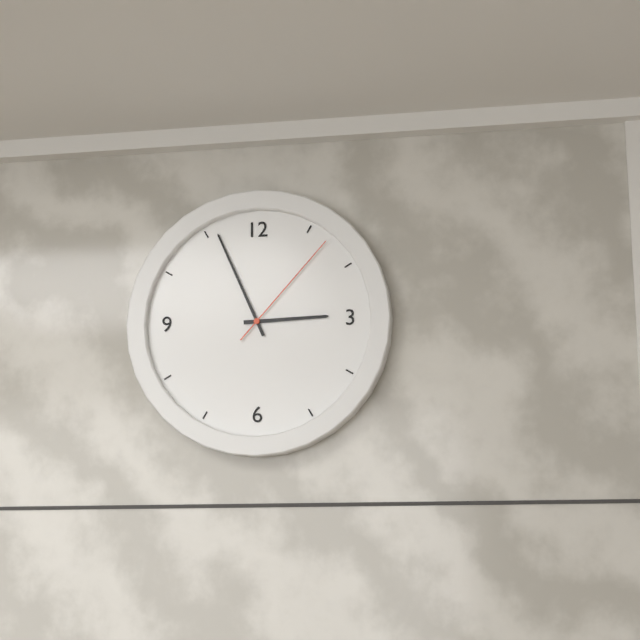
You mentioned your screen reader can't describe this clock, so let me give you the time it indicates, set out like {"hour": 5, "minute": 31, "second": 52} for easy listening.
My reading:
{"hour": 2, "minute": 56, "second": 7}
